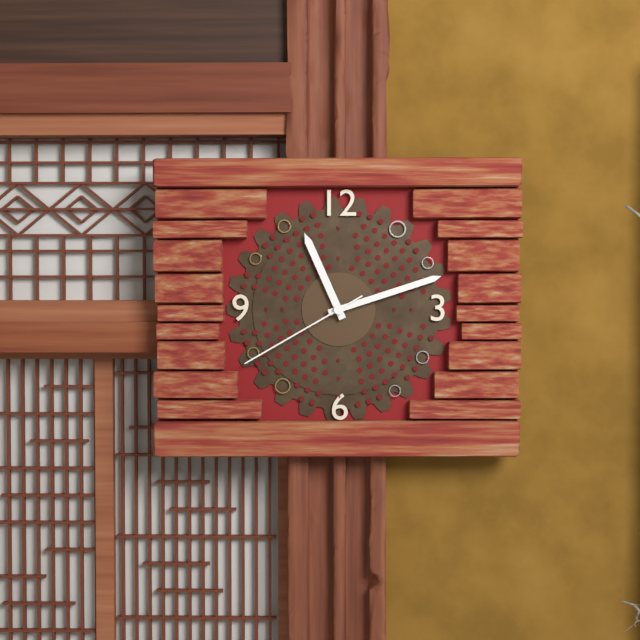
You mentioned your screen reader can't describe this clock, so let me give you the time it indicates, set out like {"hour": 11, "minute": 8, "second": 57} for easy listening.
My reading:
{"hour": 11, "minute": 12, "second": 40}
